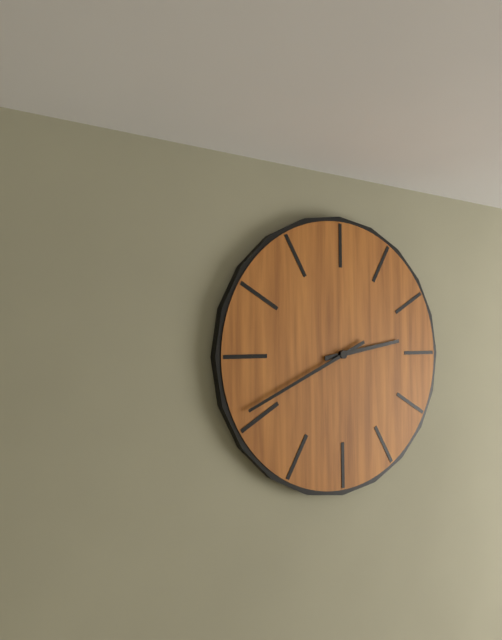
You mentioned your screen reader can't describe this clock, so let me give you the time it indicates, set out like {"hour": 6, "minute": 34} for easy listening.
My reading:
{"hour": 2, "minute": 41}
